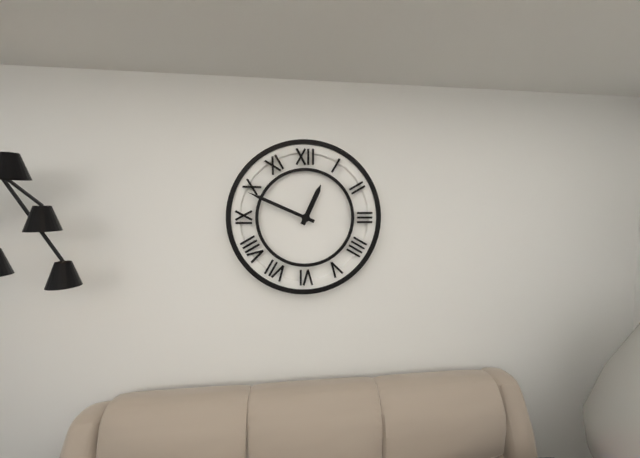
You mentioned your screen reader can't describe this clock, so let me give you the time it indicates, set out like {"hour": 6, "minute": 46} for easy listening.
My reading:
{"hour": 12, "minute": 49}
